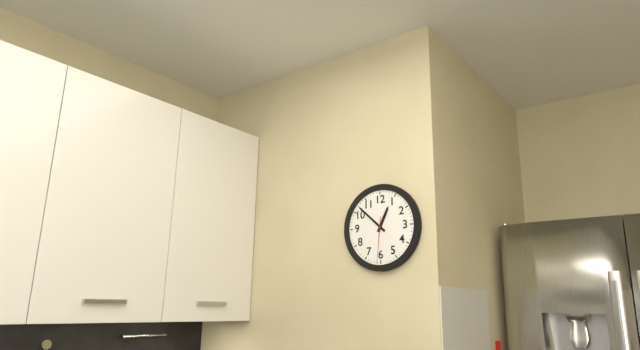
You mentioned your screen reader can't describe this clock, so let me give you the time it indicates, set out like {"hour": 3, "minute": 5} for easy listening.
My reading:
{"hour": 12, "minute": 52}
